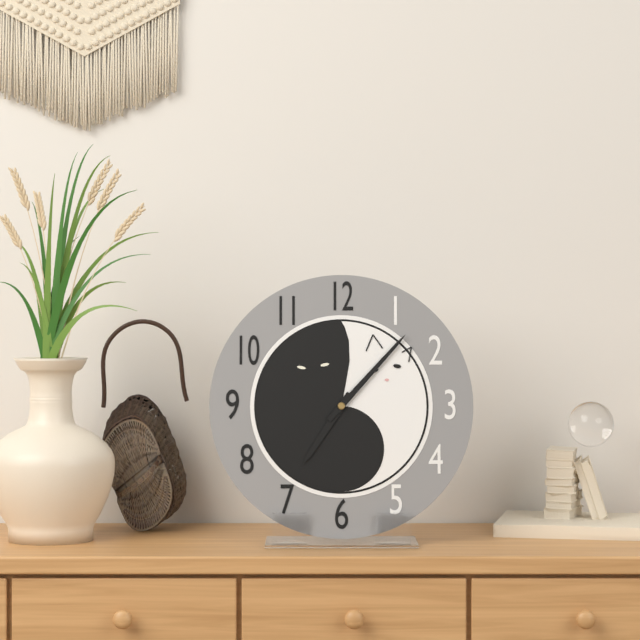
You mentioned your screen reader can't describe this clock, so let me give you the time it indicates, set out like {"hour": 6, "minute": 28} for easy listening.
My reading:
{"hour": 7, "minute": 7}
